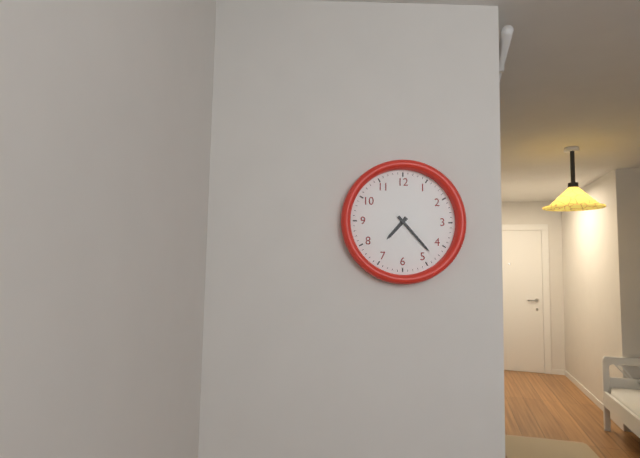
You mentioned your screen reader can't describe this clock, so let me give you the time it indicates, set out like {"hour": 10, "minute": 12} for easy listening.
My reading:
{"hour": 7, "minute": 23}
